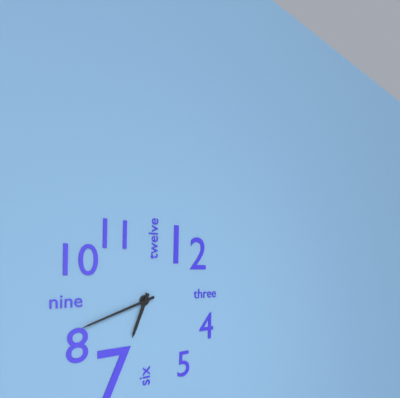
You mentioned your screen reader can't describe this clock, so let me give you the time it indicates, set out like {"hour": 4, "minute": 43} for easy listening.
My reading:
{"hour": 6, "minute": 42}
